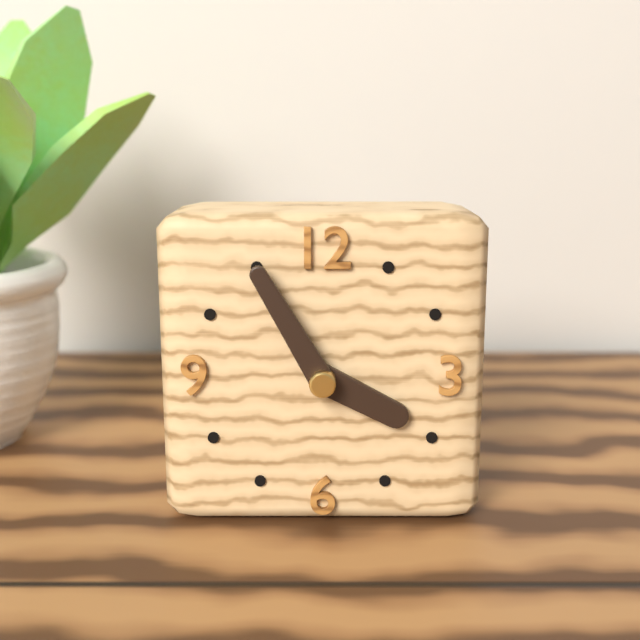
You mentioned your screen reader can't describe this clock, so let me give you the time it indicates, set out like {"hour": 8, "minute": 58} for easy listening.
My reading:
{"hour": 3, "minute": 55}
